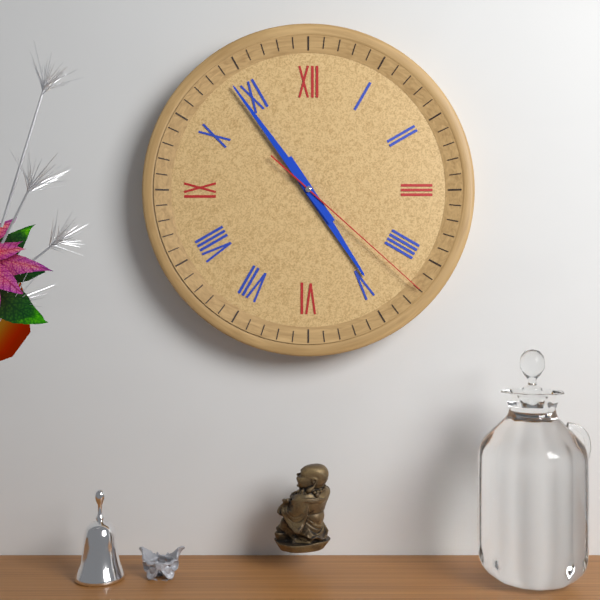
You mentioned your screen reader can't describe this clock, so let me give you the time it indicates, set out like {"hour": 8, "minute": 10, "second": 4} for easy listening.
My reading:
{"hour": 4, "minute": 54, "second": 22}
